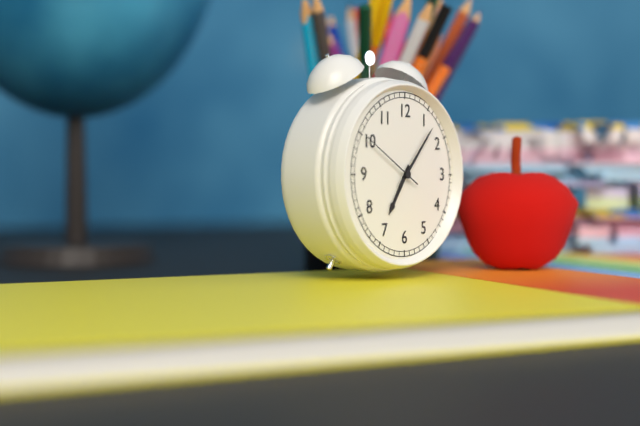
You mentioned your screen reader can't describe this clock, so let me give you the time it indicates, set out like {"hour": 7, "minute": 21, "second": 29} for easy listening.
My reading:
{"hour": 7, "minute": 7, "second": 50}
